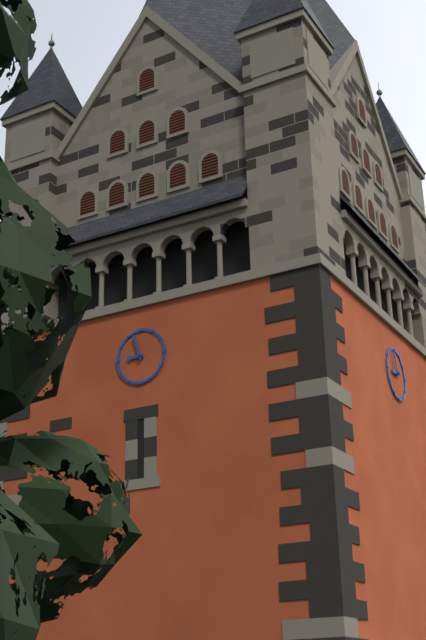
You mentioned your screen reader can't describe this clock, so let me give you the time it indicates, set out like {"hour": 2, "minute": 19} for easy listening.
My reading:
{"hour": 8, "minute": 57}
